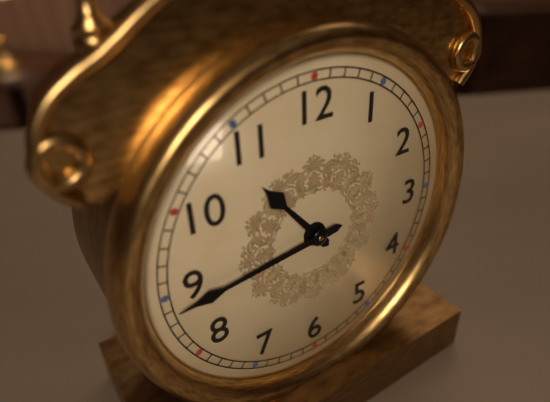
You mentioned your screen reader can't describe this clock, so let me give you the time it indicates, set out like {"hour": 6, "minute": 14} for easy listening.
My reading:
{"hour": 10, "minute": 44}
